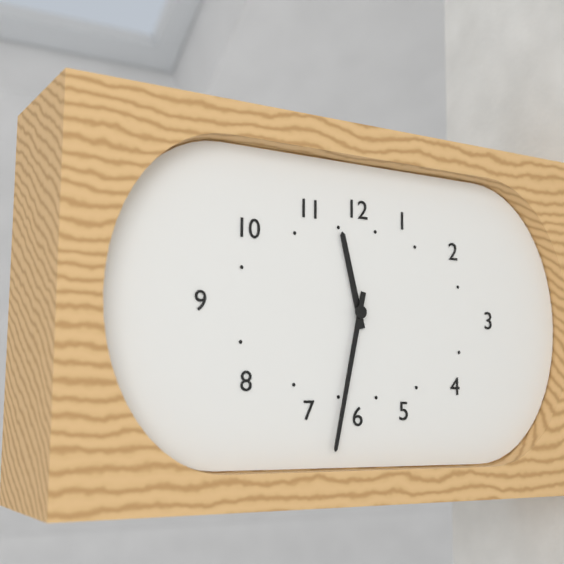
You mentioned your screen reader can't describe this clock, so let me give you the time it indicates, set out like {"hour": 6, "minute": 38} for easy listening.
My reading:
{"hour": 11, "minute": 32}
